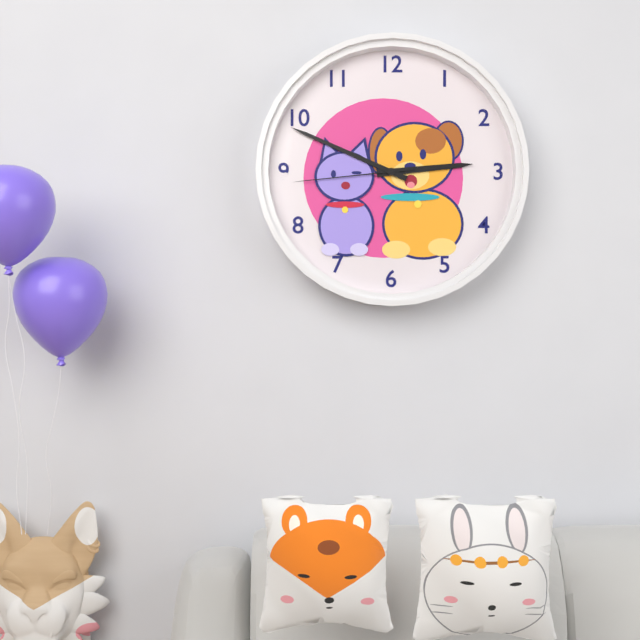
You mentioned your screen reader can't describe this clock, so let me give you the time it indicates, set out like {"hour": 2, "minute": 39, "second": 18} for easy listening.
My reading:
{"hour": 2, "minute": 49, "second": 44}
